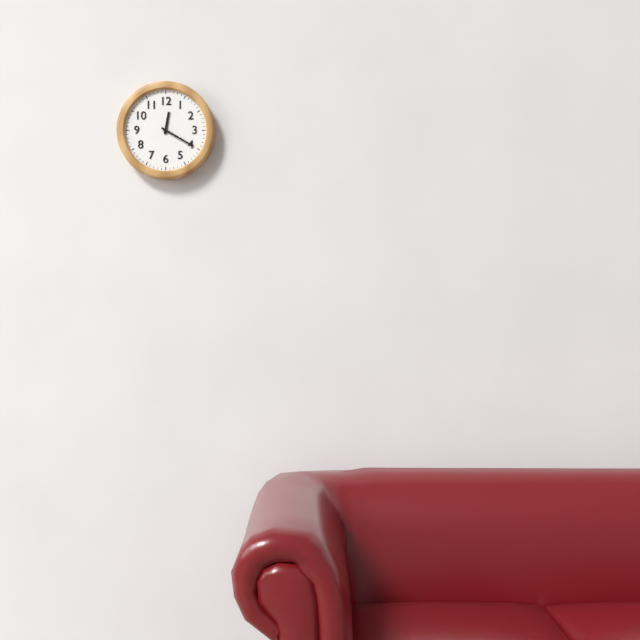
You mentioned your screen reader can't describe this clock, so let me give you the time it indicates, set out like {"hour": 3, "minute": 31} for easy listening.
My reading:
{"hour": 12, "minute": 20}
